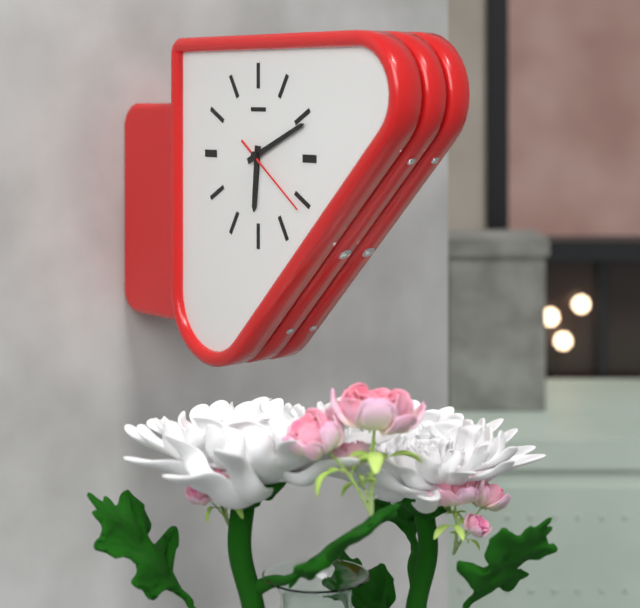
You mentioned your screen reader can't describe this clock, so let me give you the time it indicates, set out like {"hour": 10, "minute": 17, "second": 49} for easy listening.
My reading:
{"hour": 6, "minute": 11, "second": 21}
